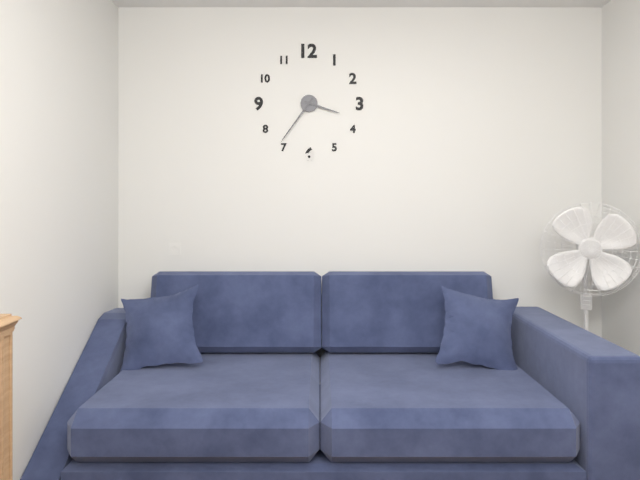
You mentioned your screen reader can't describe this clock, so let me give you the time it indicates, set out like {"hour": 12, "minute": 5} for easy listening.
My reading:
{"hour": 3, "minute": 36}
